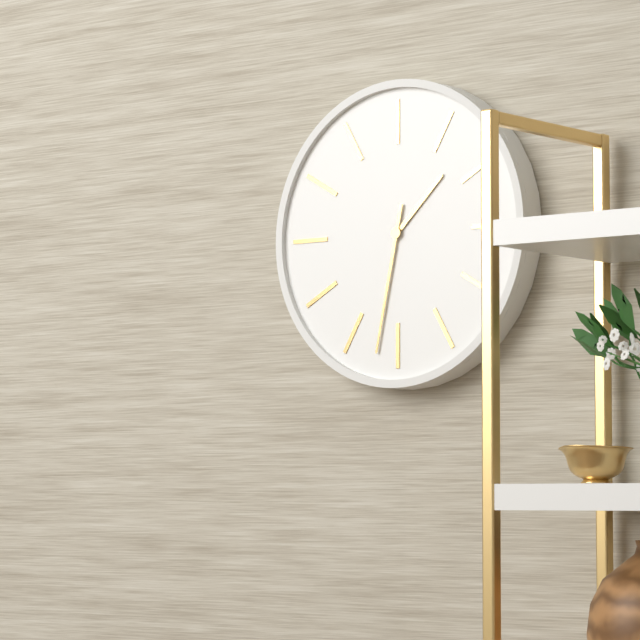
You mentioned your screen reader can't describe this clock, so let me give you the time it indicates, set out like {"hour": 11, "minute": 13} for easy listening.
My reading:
{"hour": 1, "minute": 32}
